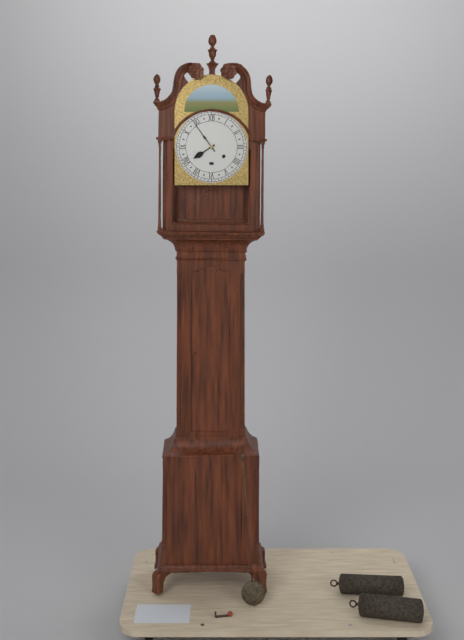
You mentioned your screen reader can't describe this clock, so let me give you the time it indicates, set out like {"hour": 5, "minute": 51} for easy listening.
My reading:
{"hour": 7, "minute": 54}
